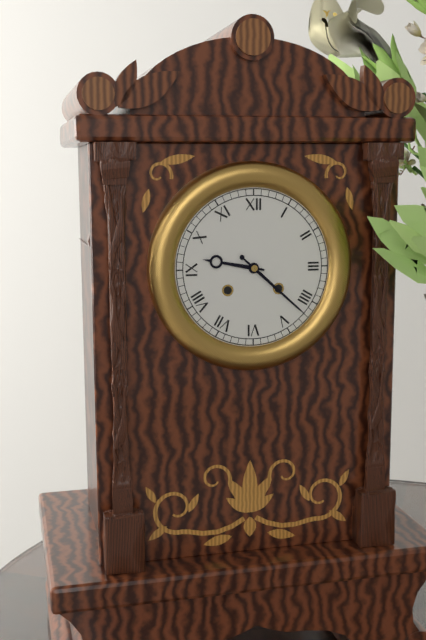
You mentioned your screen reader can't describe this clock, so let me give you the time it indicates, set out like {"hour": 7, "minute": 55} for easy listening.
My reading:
{"hour": 9, "minute": 22}
